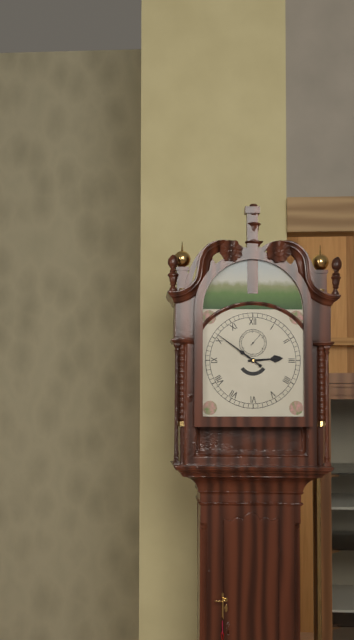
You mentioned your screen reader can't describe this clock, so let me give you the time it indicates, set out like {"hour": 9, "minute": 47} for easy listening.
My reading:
{"hour": 2, "minute": 51}
